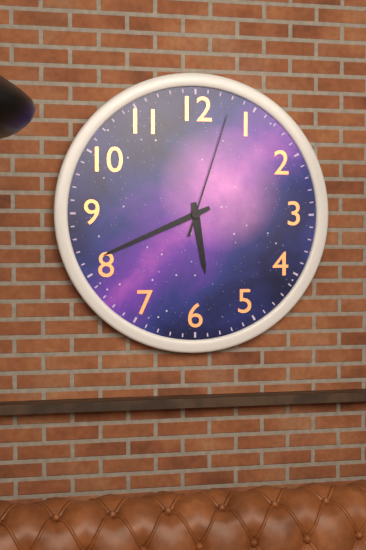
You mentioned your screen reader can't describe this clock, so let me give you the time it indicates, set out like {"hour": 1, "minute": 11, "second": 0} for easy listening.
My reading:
{"hour": 5, "minute": 41, "second": 3}
